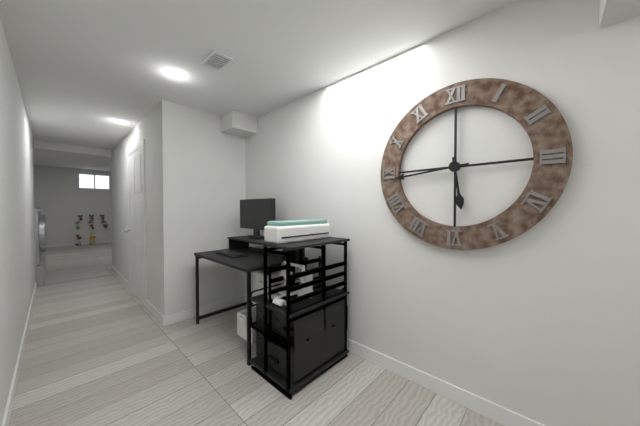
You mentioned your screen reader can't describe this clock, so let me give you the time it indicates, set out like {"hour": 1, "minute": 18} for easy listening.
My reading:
{"hour": 5, "minute": 44}
